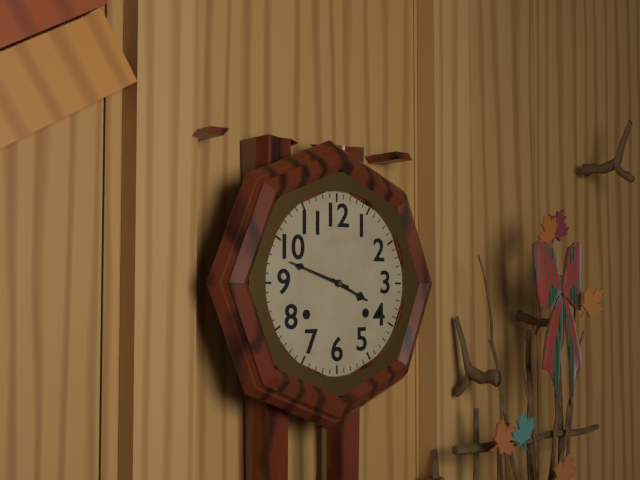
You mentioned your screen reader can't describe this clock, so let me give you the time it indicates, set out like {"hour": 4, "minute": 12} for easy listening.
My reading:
{"hour": 3, "minute": 48}
